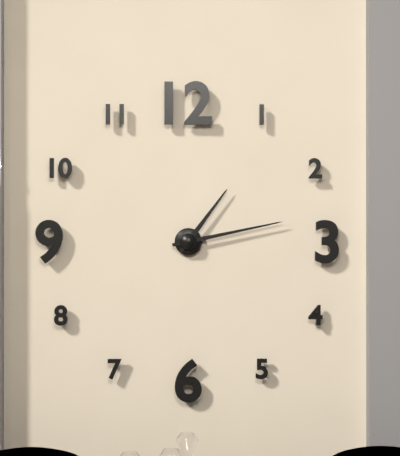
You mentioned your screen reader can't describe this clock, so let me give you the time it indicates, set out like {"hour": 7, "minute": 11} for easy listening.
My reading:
{"hour": 1, "minute": 13}
